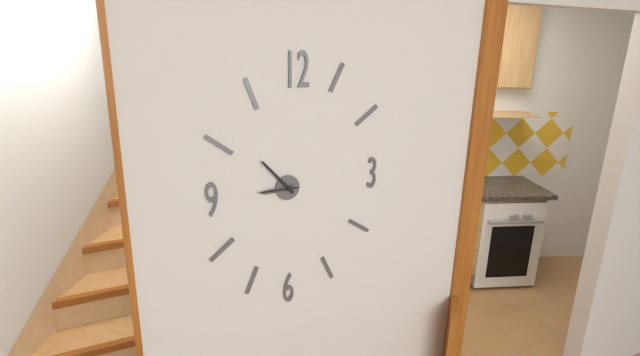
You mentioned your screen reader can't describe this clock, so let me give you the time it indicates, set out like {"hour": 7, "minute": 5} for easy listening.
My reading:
{"hour": 8, "minute": 53}
